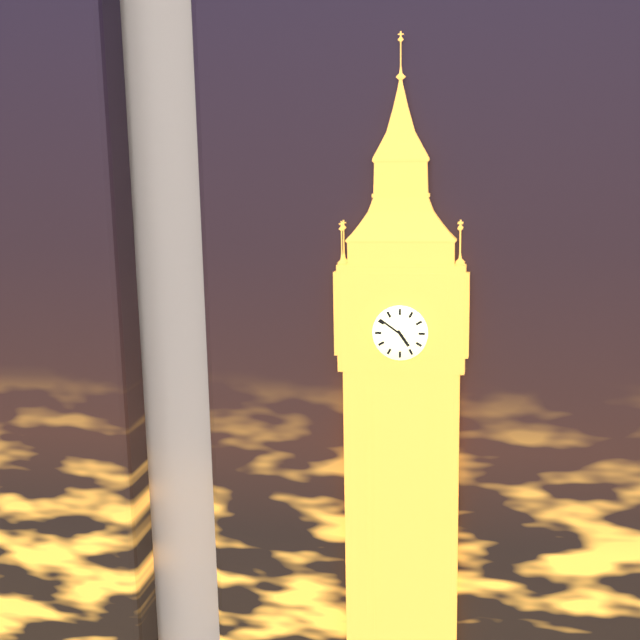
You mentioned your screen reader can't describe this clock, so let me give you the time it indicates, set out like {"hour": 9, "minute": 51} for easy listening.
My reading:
{"hour": 4, "minute": 51}
